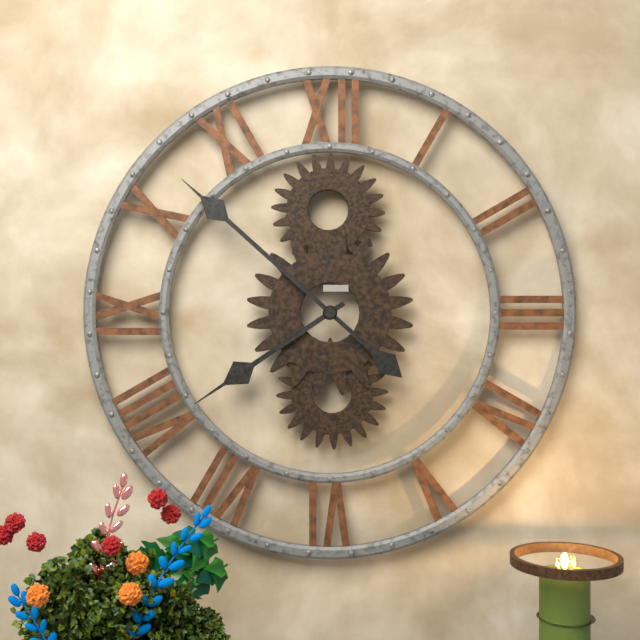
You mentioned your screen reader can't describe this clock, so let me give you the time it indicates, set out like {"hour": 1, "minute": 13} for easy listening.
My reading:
{"hour": 7, "minute": 52}
